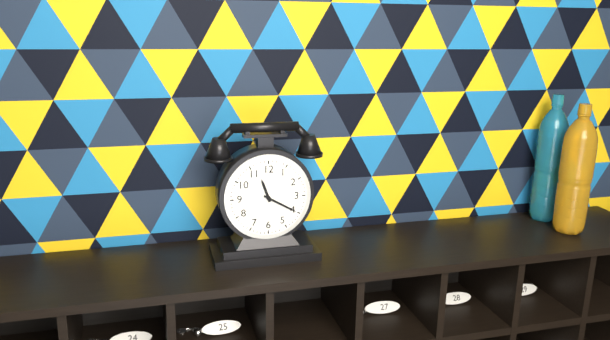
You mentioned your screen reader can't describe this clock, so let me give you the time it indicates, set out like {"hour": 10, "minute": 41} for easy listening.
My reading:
{"hour": 11, "minute": 20}
